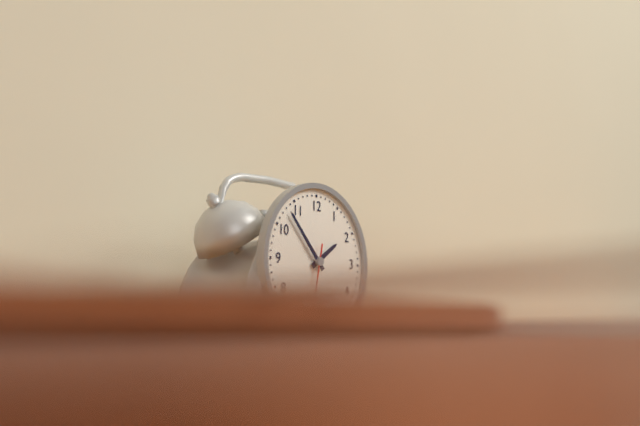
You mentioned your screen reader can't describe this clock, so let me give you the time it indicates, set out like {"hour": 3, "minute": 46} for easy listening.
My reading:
{"hour": 1, "minute": 53}
